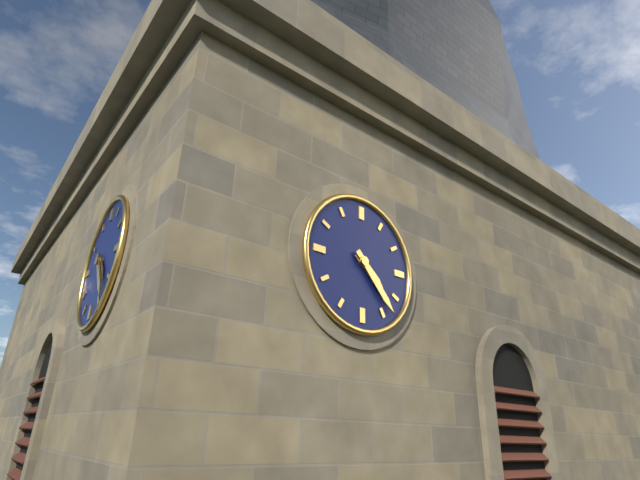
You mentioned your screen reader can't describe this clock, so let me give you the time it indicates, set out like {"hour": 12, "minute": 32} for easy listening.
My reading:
{"hour": 4, "minute": 23}
